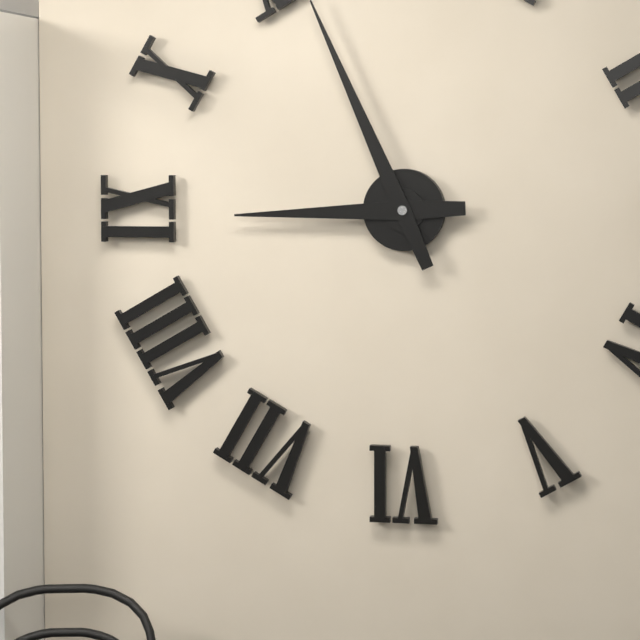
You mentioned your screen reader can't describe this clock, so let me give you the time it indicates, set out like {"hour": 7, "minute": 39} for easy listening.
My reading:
{"hour": 8, "minute": 56}
